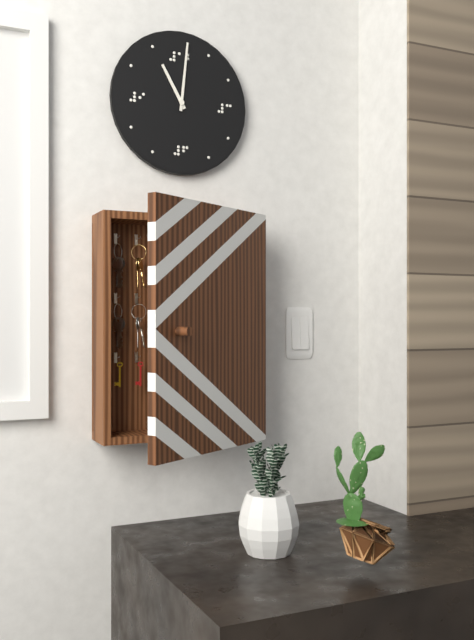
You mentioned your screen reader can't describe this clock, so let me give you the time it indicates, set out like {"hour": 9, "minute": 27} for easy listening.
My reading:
{"hour": 11, "minute": 1}
